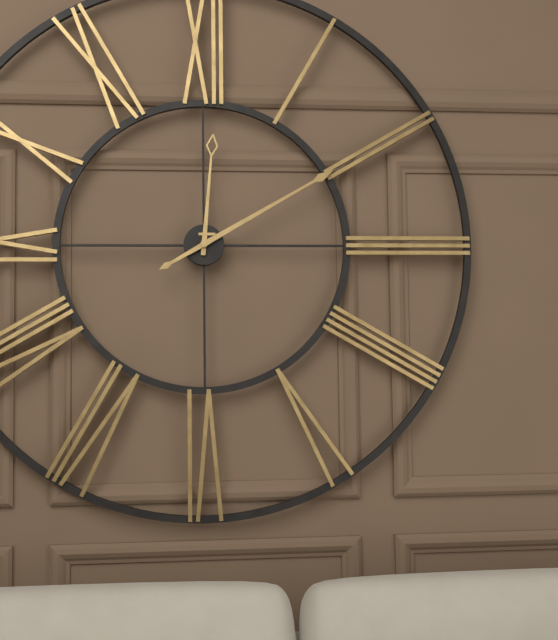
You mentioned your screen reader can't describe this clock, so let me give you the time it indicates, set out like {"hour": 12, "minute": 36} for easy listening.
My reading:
{"hour": 12, "minute": 10}
